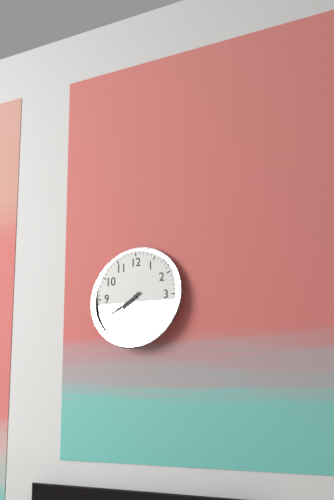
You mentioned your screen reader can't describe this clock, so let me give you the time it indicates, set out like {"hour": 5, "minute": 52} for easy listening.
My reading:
{"hour": 7, "minute": 40}
